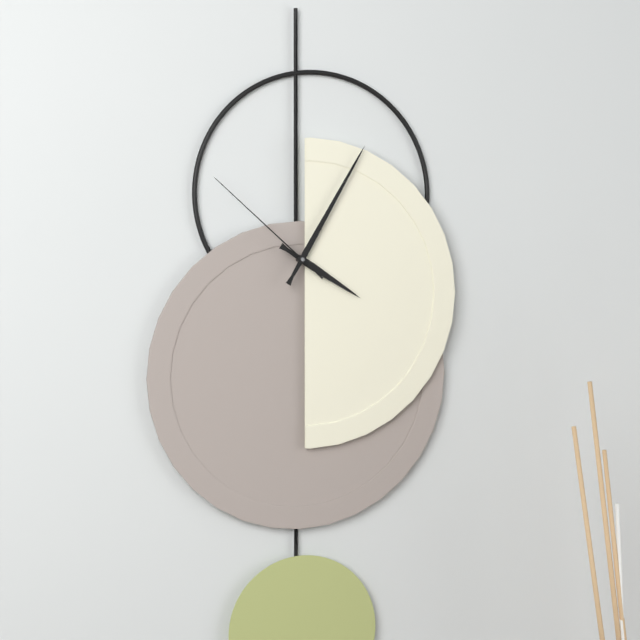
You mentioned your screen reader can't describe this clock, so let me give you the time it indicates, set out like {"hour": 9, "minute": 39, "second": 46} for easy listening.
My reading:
{"hour": 4, "minute": 5, "second": 52}
